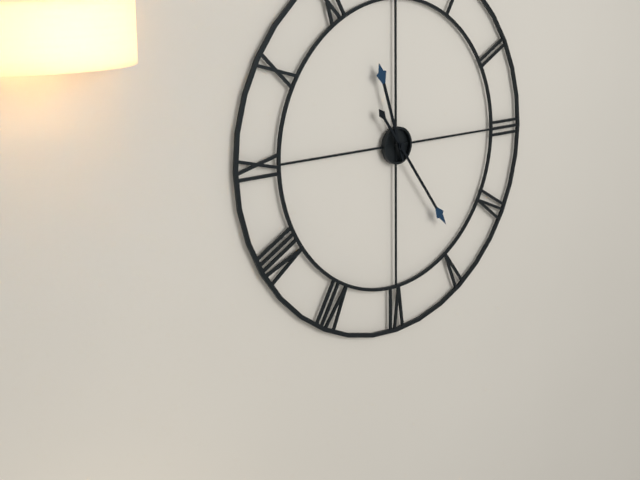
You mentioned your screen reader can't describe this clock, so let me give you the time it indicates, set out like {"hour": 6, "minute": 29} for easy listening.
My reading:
{"hour": 11, "minute": 24}
